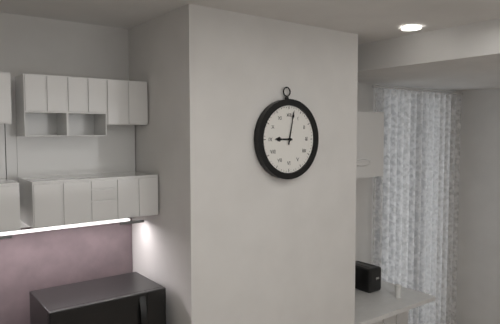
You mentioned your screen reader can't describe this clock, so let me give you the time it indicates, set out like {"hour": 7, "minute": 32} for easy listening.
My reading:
{"hour": 9, "minute": 2}
